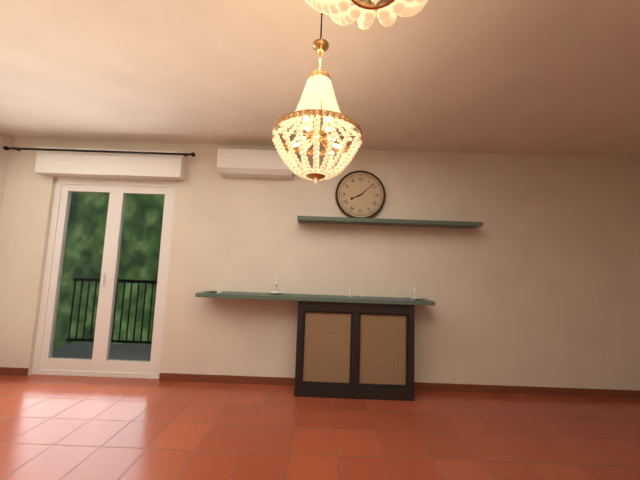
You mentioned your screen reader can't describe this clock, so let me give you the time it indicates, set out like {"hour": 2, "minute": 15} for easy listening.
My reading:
{"hour": 8, "minute": 8}
